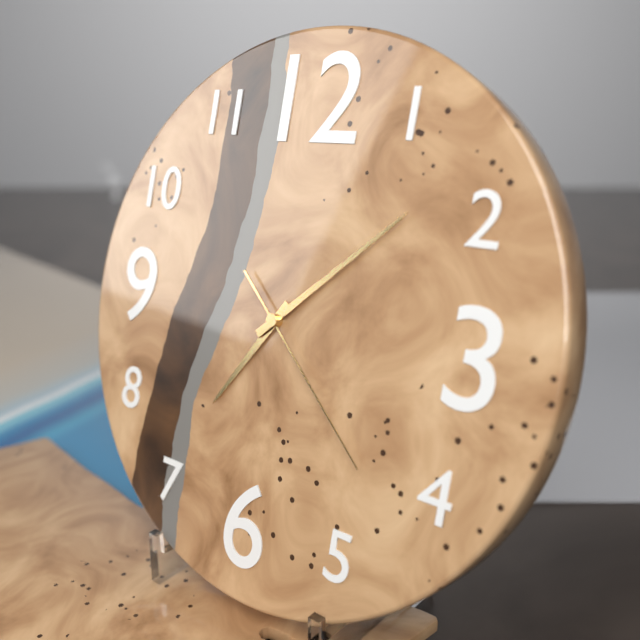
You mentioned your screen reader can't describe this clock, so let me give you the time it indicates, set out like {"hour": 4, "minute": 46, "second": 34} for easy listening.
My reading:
{"hour": 7, "minute": 8, "second": 22}
